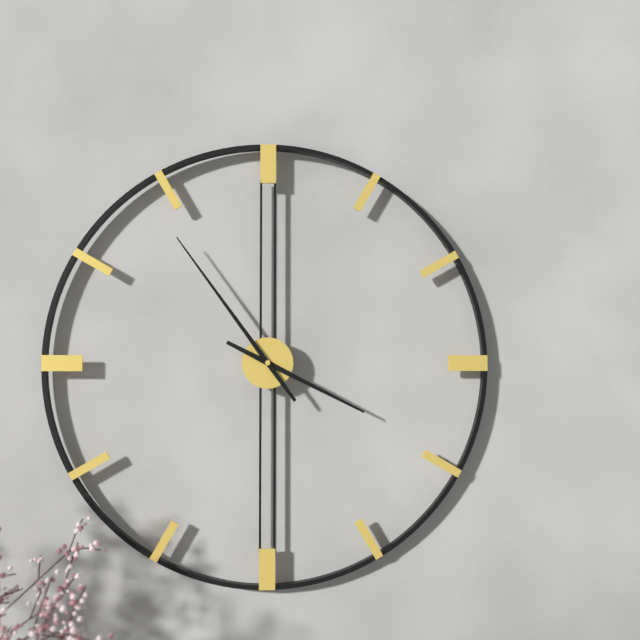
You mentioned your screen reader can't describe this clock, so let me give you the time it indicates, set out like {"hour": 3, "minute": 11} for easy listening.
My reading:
{"hour": 3, "minute": 54}
